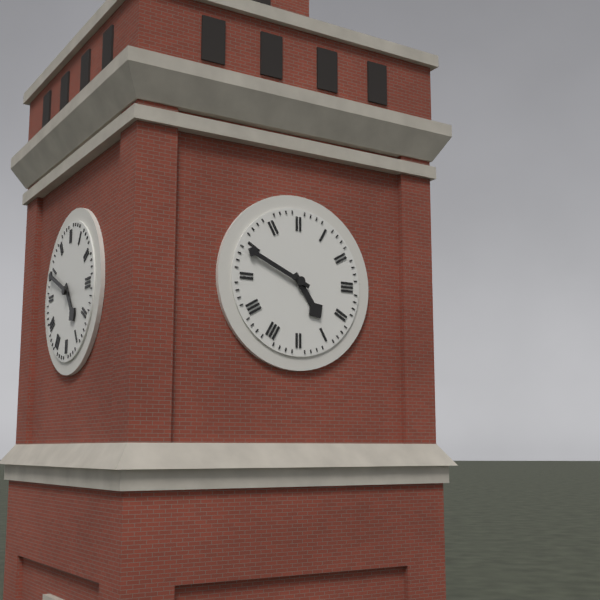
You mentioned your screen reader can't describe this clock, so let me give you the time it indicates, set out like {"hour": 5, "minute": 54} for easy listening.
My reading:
{"hour": 4, "minute": 49}
